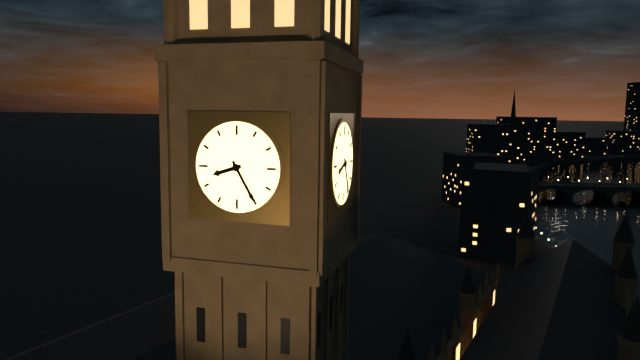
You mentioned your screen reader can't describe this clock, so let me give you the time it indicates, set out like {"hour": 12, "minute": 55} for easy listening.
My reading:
{"hour": 8, "minute": 25}
